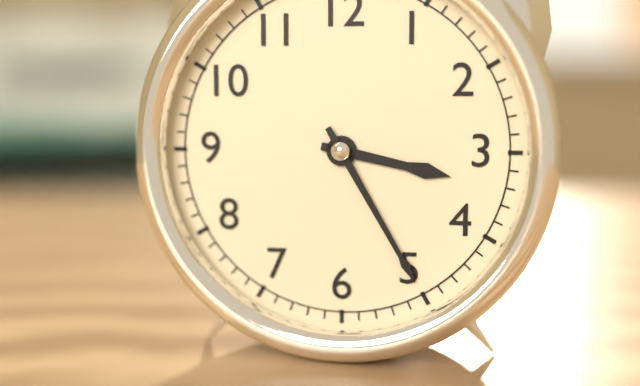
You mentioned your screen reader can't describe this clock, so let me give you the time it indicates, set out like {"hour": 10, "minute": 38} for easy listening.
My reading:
{"hour": 3, "minute": 25}
